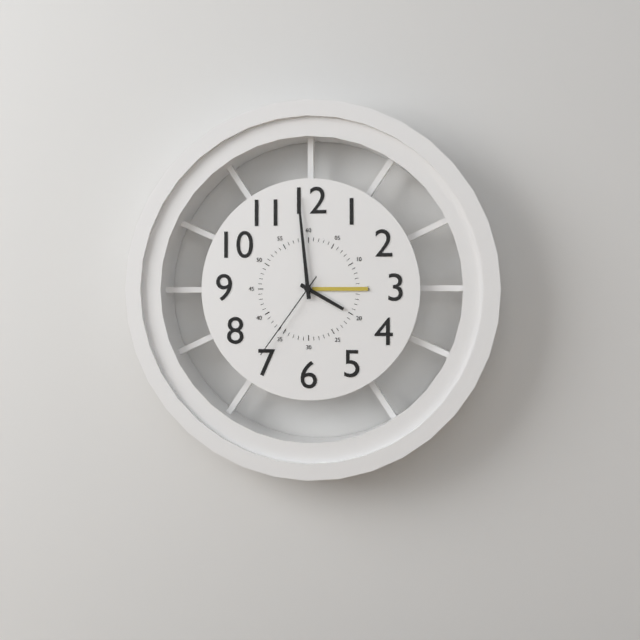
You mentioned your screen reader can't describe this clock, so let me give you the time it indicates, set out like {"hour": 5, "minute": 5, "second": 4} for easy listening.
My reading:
{"hour": 3, "minute": 59, "second": 36}
